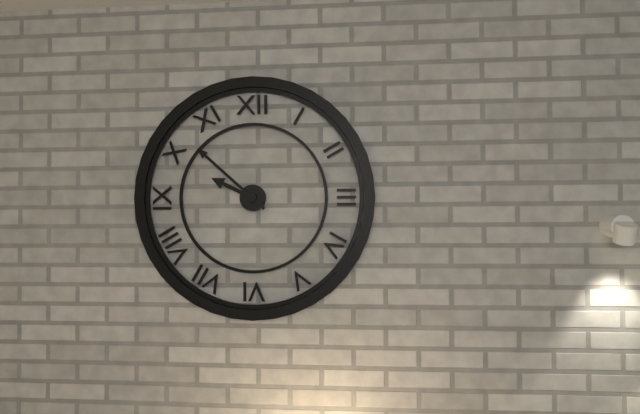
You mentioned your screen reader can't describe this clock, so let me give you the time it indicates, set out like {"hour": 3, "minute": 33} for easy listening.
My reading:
{"hour": 9, "minute": 52}
